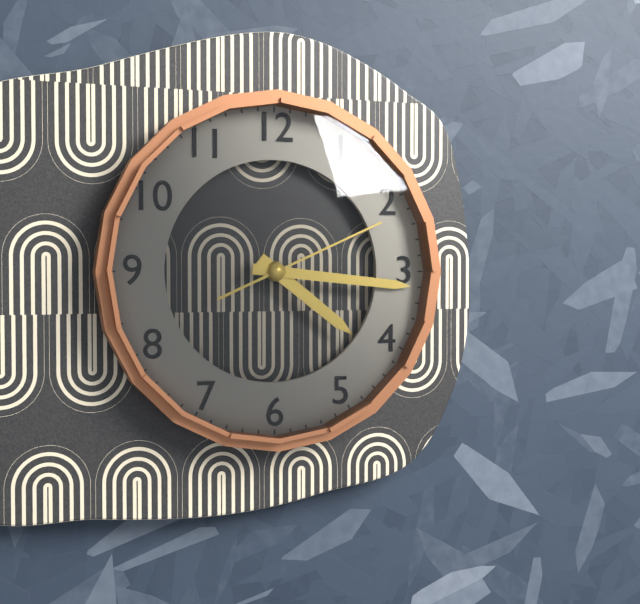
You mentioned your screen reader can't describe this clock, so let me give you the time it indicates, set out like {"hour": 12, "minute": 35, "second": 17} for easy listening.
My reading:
{"hour": 4, "minute": 16, "second": 11}
